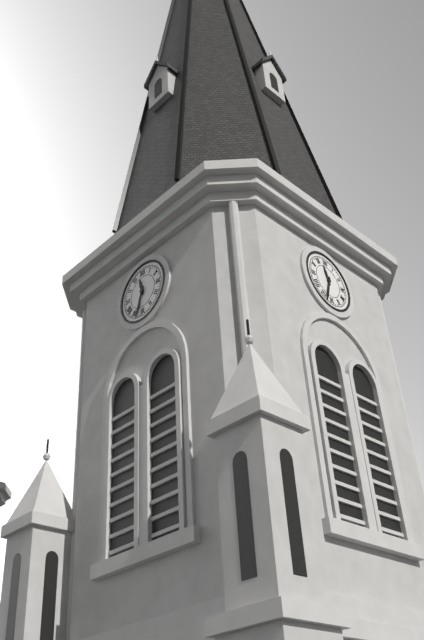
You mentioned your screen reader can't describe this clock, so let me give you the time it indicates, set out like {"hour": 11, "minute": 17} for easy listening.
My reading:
{"hour": 11, "minute": 33}
